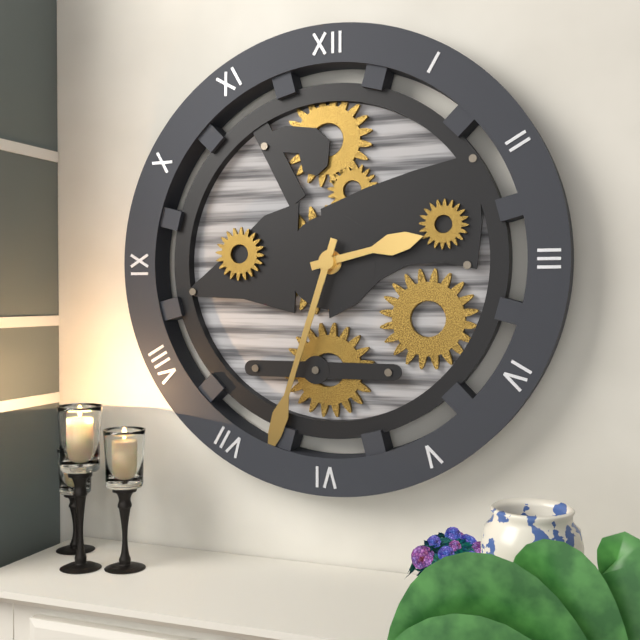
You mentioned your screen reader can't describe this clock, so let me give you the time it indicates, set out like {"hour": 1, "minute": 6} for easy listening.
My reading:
{"hour": 2, "minute": 33}
